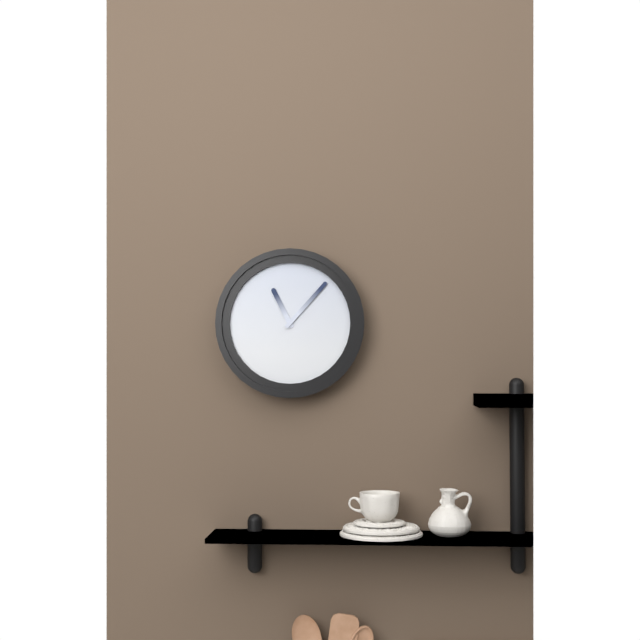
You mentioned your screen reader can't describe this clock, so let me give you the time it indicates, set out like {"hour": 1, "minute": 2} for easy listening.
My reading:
{"hour": 11, "minute": 7}
